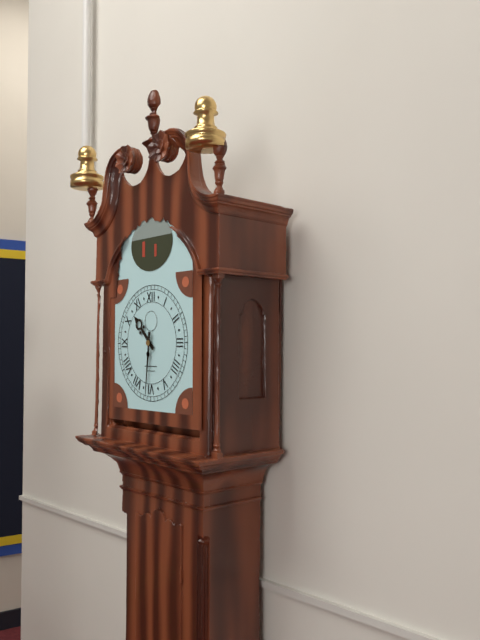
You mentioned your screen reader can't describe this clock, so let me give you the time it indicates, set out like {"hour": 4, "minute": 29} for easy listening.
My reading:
{"hour": 10, "minute": 31}
